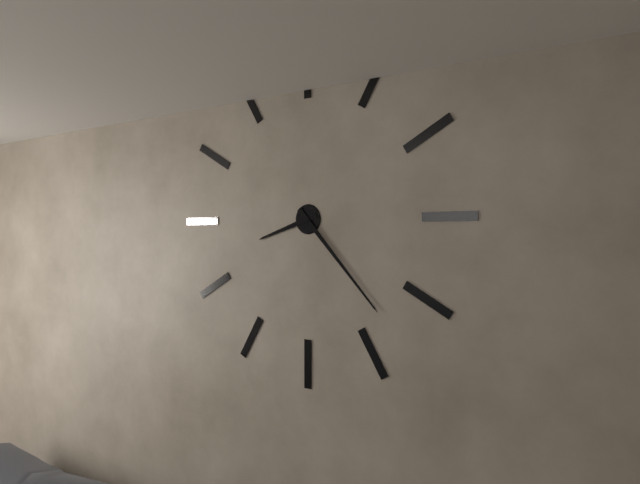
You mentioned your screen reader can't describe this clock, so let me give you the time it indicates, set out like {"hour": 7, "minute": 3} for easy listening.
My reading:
{"hour": 8, "minute": 23}
